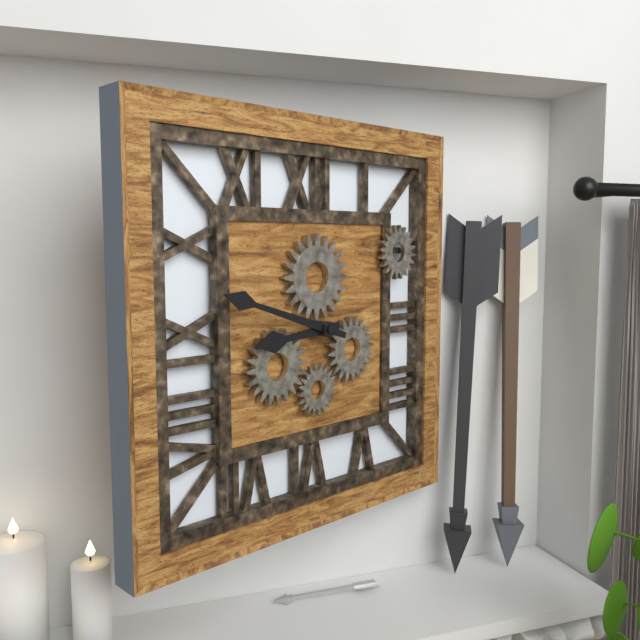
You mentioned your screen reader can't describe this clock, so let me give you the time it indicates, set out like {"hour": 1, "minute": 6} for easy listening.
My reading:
{"hour": 8, "minute": 48}
